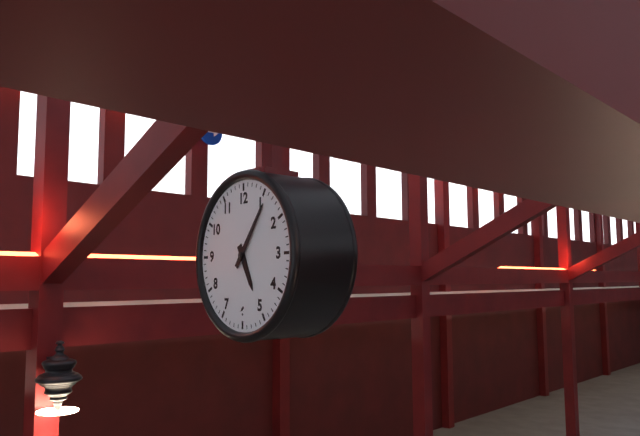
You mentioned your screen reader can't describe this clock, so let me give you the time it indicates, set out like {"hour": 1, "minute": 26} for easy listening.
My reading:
{"hour": 5, "minute": 6}
